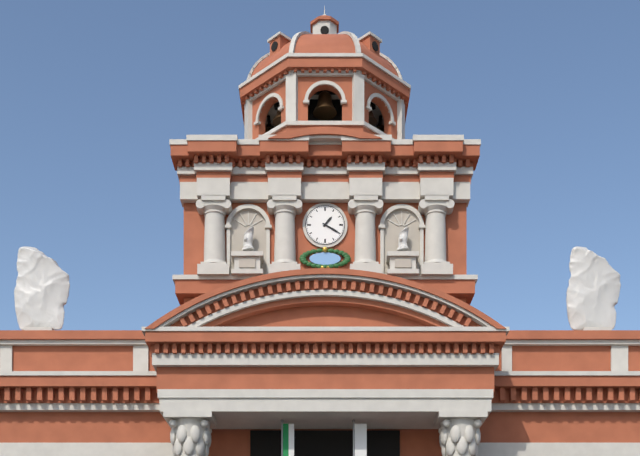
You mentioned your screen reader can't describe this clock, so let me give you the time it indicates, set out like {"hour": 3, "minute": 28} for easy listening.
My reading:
{"hour": 1, "minute": 20}
